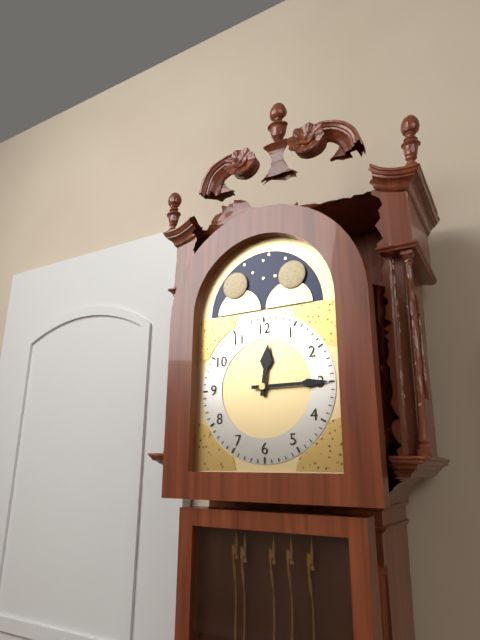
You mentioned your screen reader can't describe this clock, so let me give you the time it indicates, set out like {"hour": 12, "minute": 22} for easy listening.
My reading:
{"hour": 12, "minute": 15}
